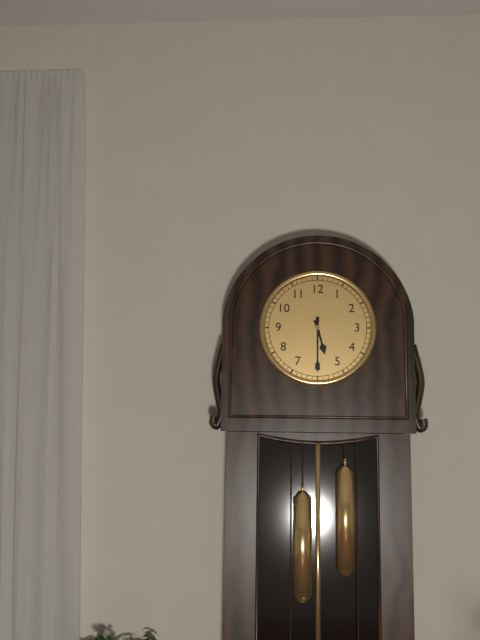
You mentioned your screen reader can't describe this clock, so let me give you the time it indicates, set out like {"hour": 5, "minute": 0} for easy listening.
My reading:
{"hour": 5, "minute": 30}
